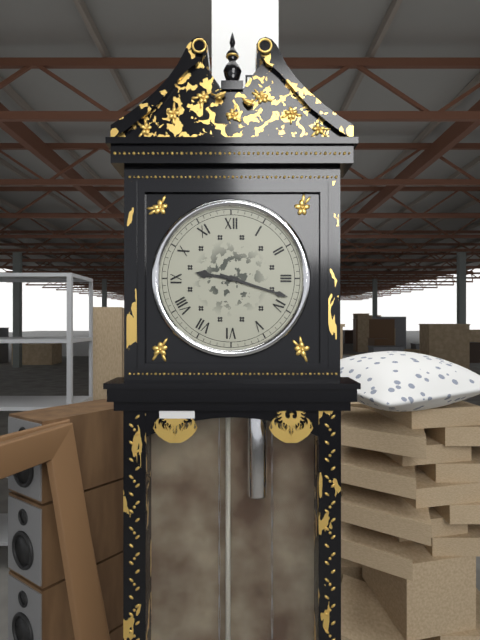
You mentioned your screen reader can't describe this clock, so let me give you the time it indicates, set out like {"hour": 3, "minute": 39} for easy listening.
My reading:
{"hour": 9, "minute": 18}
